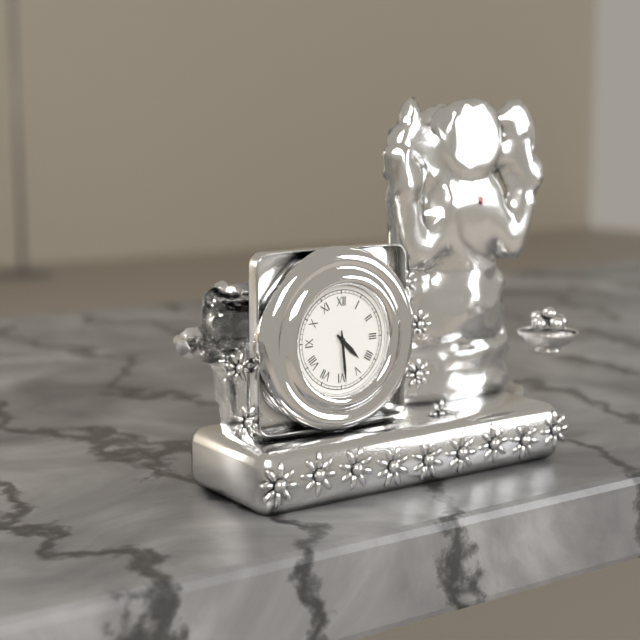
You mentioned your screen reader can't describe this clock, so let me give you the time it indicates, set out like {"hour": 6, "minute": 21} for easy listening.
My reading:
{"hour": 4, "minute": 29}
